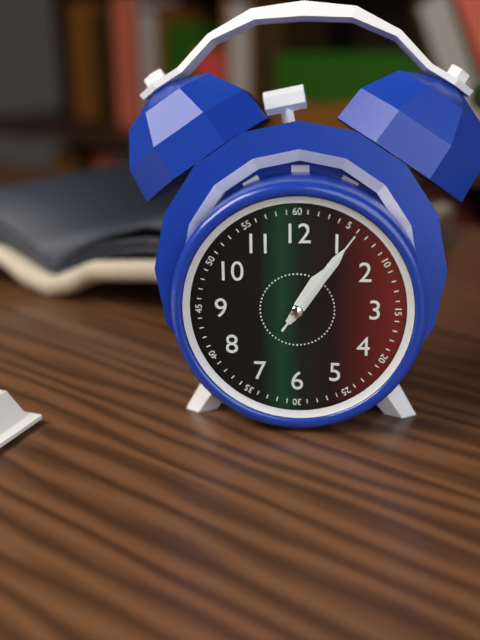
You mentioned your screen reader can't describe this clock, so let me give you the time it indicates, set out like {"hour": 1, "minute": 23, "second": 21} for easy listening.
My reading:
{"hour": 1, "minute": 6, "second": 6}
